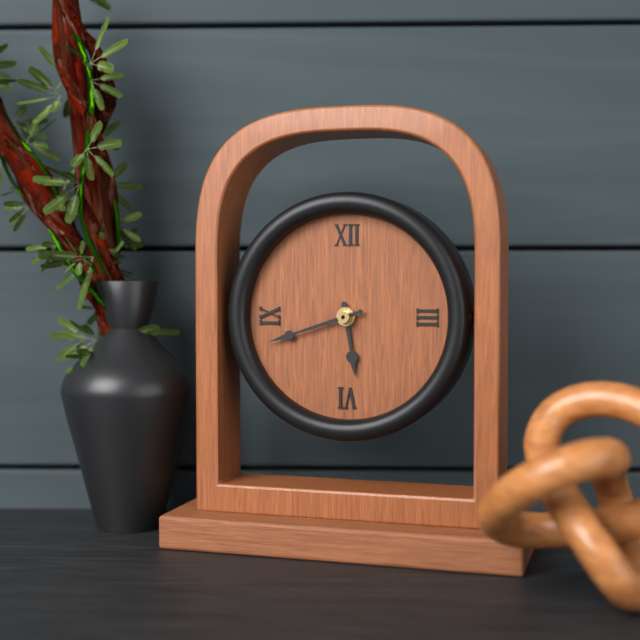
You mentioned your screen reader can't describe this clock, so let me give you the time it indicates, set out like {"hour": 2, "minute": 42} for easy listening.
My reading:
{"hour": 5, "minute": 42}
